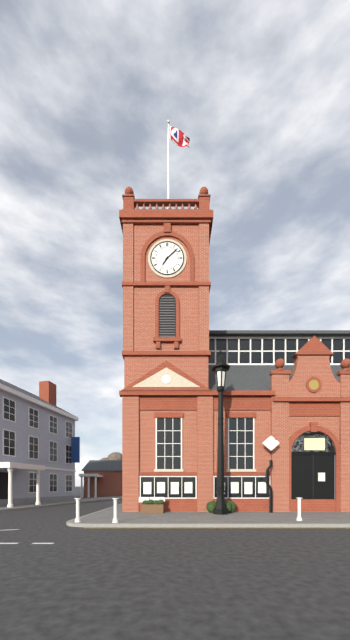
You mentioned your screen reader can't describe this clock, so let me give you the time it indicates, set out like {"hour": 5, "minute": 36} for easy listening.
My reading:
{"hour": 7, "minute": 8}
